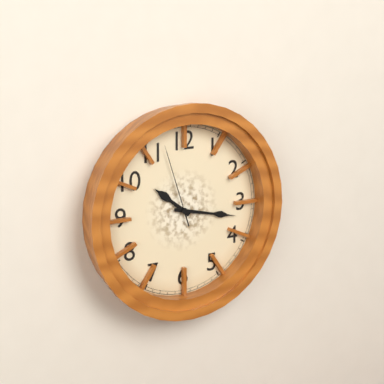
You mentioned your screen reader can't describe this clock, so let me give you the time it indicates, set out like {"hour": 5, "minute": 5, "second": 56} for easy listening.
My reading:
{"hour": 10, "minute": 17, "second": 57}
